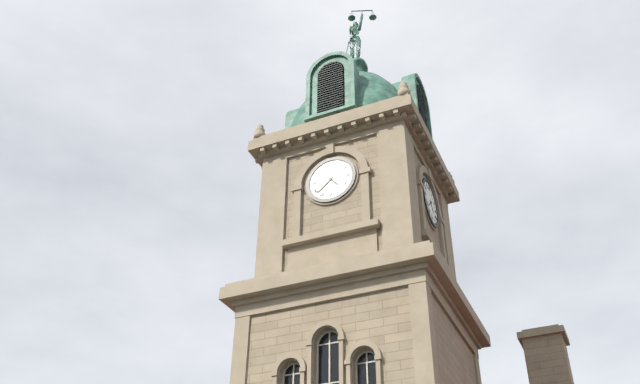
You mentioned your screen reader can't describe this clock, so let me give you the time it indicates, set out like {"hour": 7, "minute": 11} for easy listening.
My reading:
{"hour": 4, "minute": 38}
